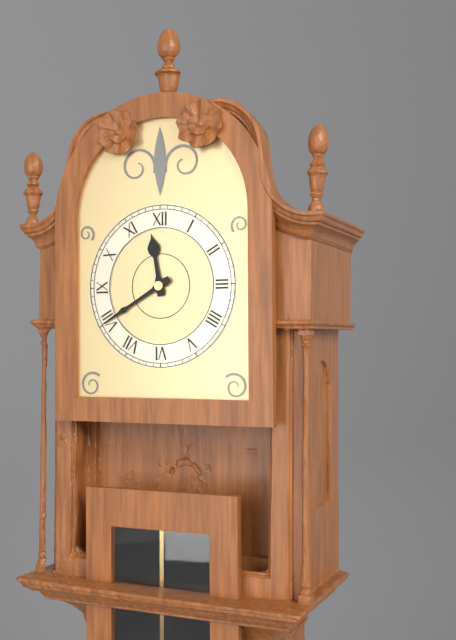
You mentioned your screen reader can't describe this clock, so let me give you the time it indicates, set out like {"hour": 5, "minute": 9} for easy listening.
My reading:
{"hour": 11, "minute": 40}
